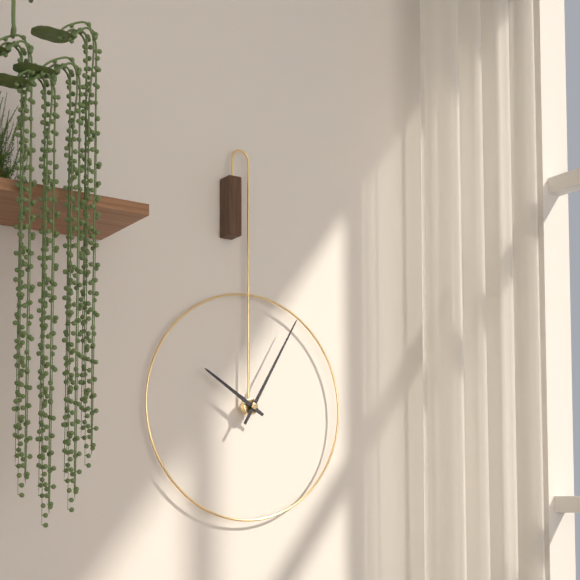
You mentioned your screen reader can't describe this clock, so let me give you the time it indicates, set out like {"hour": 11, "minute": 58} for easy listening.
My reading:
{"hour": 10, "minute": 5}
